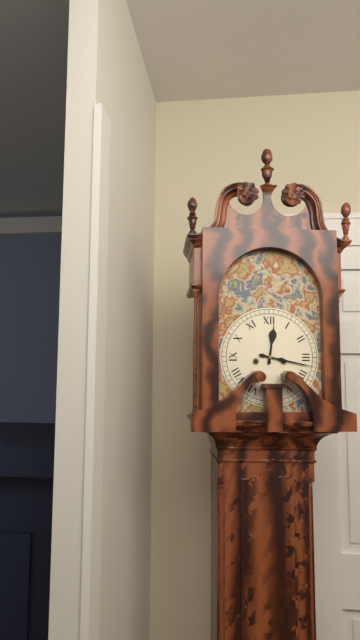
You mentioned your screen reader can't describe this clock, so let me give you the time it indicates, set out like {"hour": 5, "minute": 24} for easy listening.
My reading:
{"hour": 12, "minute": 17}
